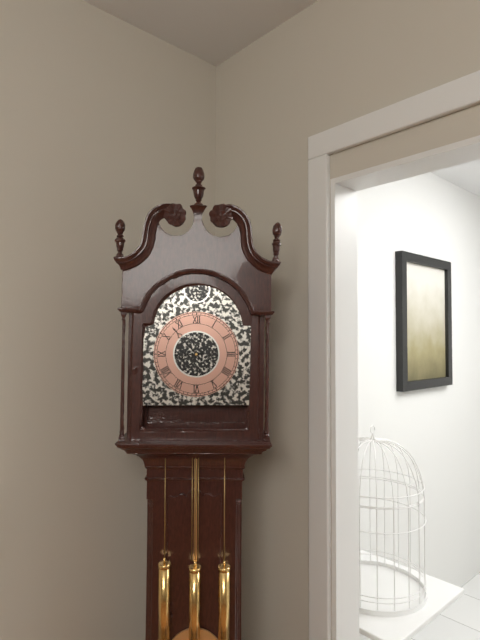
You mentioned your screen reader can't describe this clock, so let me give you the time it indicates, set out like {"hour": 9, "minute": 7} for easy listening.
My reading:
{"hour": 8, "minute": 53}
